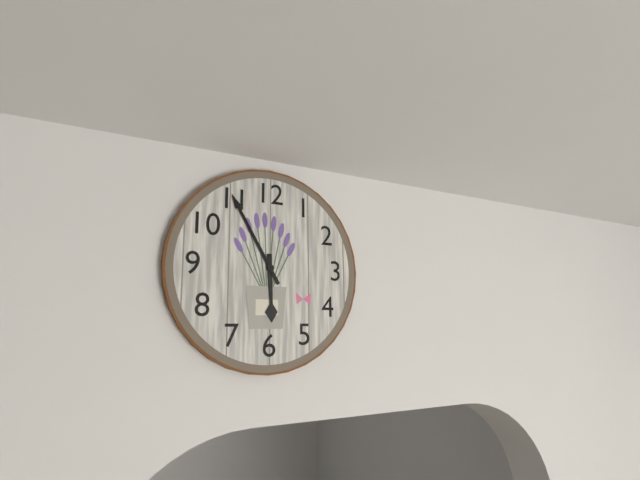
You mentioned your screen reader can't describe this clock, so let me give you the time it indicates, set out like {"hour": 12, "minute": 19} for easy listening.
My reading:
{"hour": 5, "minute": 55}
